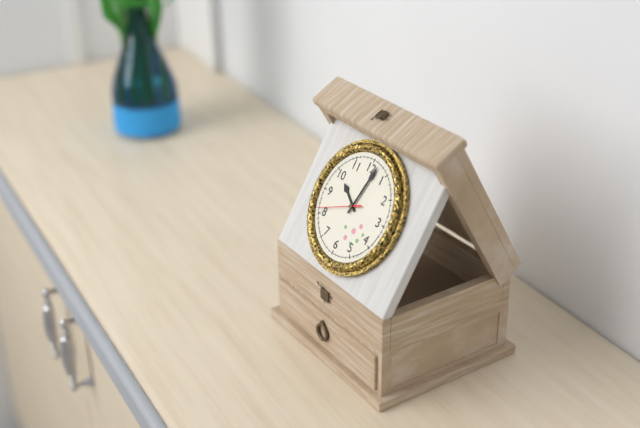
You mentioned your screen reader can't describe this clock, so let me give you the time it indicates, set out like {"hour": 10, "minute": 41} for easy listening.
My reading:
{"hour": 10, "minute": 2}
